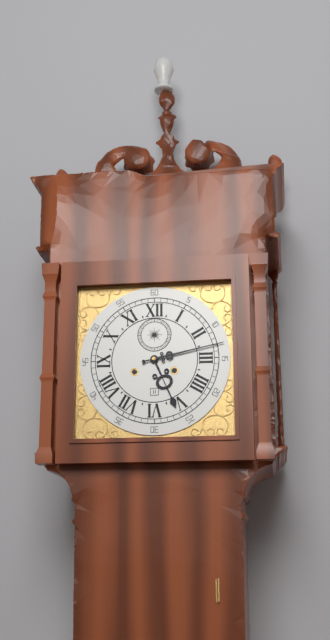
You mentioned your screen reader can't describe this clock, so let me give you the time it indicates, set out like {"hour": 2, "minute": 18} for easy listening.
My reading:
{"hour": 5, "minute": 13}
